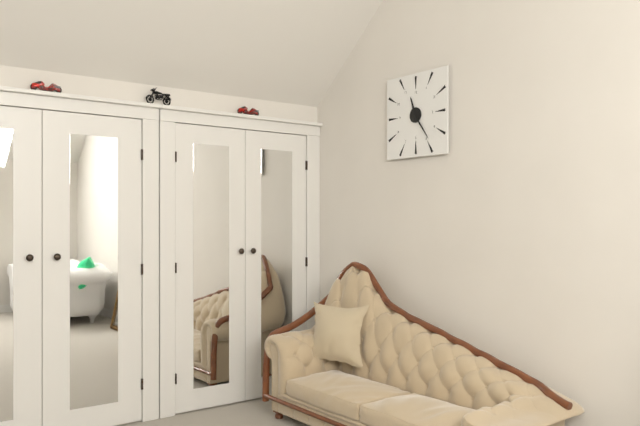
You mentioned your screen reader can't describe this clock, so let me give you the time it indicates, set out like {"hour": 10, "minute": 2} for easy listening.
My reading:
{"hour": 11, "minute": 24}
